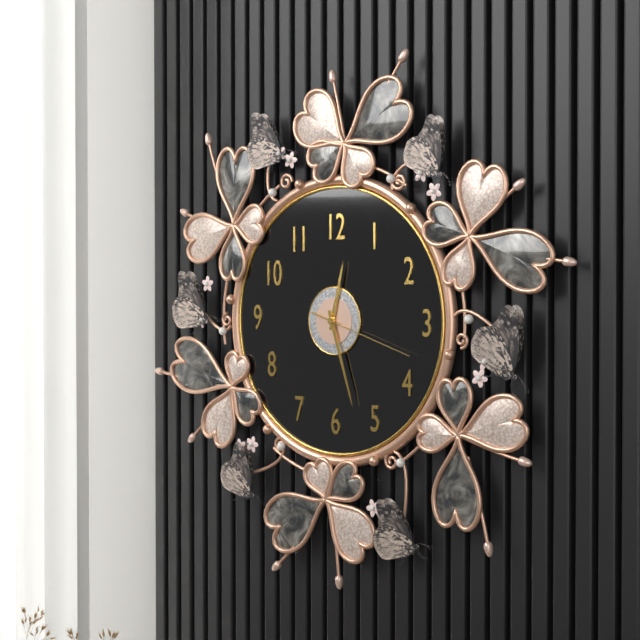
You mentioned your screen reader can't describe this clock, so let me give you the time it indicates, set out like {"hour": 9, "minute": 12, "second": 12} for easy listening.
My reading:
{"hour": 12, "minute": 27, "second": 18}
